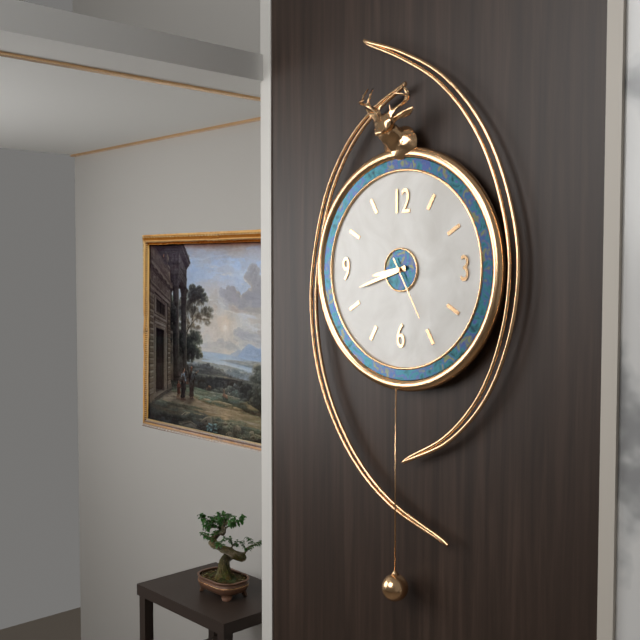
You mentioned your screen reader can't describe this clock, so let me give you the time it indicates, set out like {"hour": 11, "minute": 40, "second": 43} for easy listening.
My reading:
{"hour": 8, "minute": 42, "second": 25}
